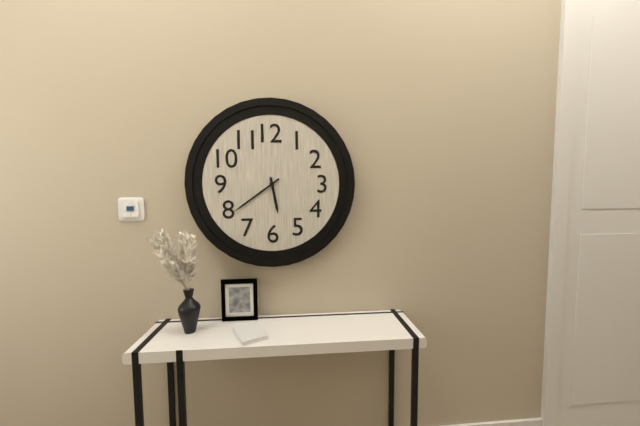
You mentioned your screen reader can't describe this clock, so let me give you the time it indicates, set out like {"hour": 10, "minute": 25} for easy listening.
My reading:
{"hour": 5, "minute": 39}
